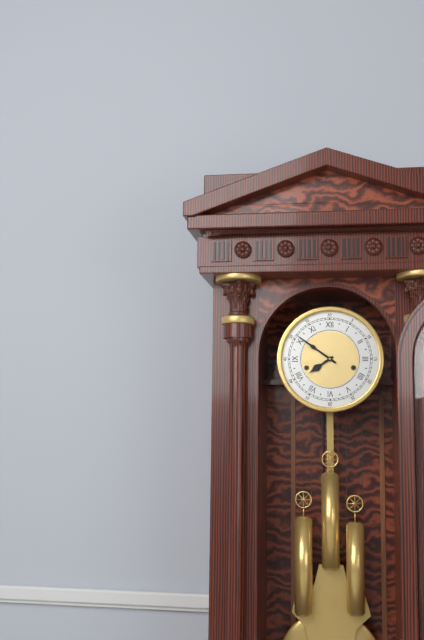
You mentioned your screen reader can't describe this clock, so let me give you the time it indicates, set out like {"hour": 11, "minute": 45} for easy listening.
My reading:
{"hour": 7, "minute": 51}
